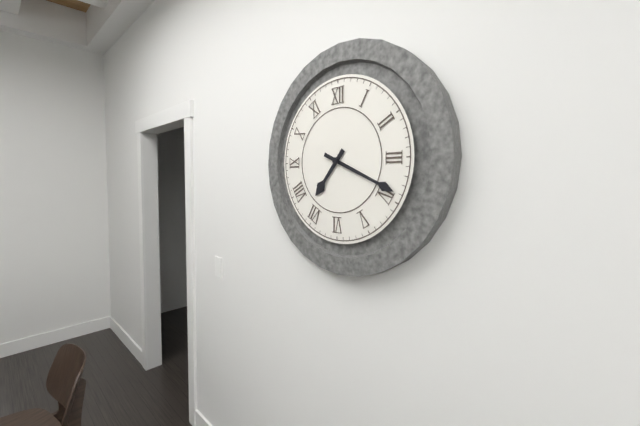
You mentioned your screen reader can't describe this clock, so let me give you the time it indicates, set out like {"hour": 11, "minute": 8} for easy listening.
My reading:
{"hour": 7, "minute": 19}
